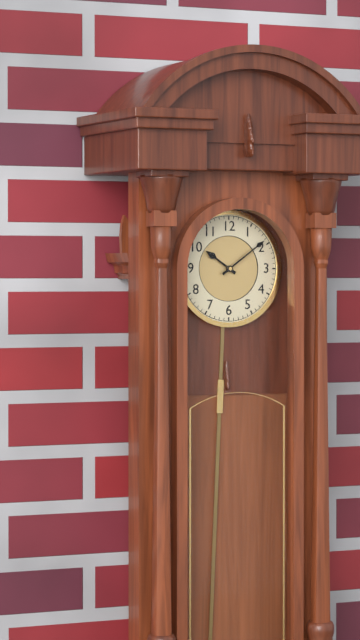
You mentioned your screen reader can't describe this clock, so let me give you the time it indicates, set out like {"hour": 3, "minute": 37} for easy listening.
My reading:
{"hour": 10, "minute": 9}
